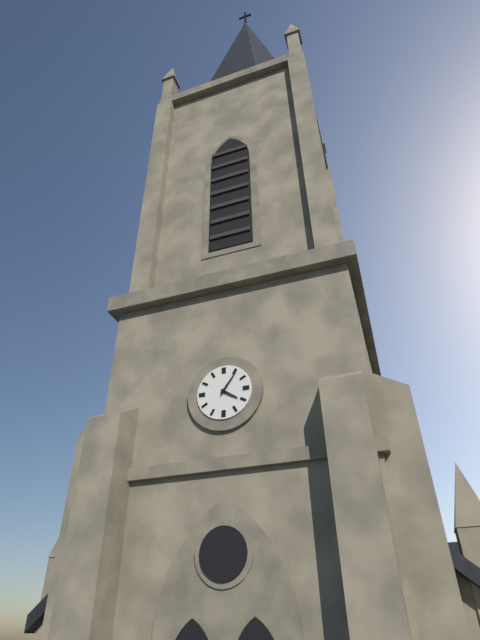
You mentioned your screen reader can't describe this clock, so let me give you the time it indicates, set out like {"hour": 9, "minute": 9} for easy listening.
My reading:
{"hour": 4, "minute": 6}
